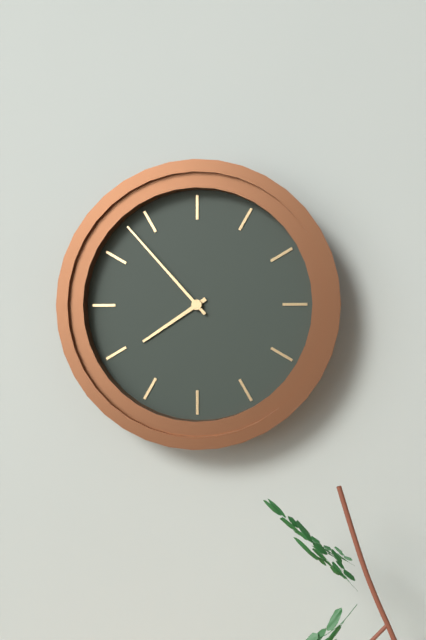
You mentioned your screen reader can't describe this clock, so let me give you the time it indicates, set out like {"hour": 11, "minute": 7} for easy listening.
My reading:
{"hour": 7, "minute": 53}
